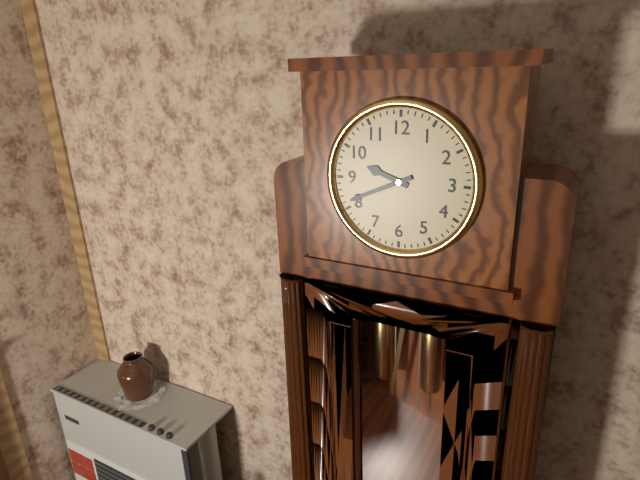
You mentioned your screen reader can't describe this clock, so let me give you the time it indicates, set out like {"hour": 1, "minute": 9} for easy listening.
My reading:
{"hour": 9, "minute": 41}
